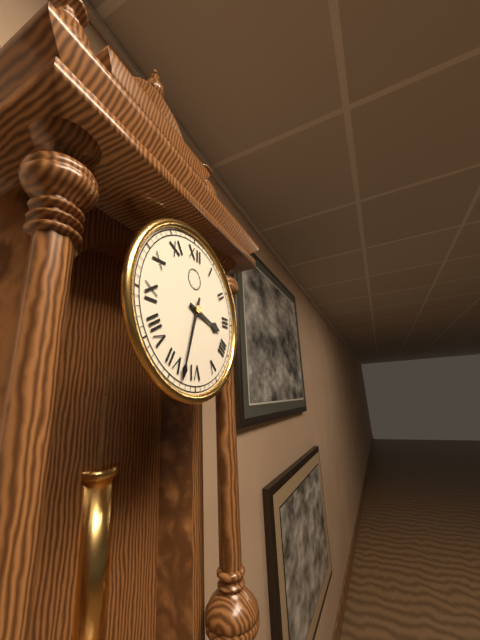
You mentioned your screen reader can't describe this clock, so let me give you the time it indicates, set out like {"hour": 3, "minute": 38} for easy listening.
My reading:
{"hour": 3, "minute": 33}
